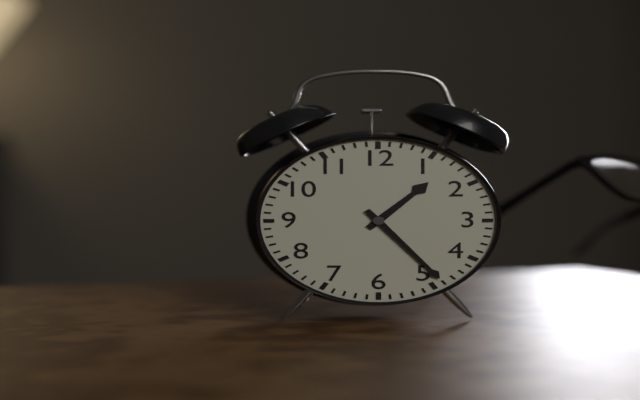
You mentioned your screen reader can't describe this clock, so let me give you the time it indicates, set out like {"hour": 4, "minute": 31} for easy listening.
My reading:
{"hour": 1, "minute": 24}
